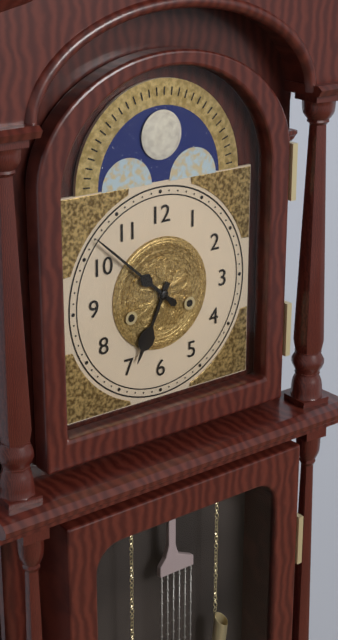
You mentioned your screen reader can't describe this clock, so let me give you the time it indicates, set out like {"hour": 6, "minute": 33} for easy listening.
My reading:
{"hour": 6, "minute": 52}
